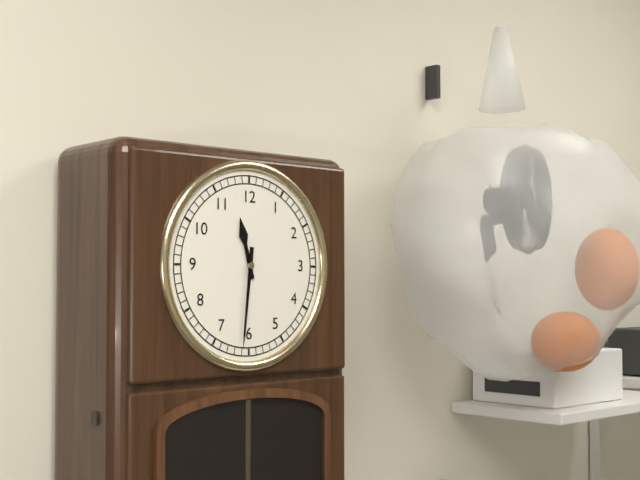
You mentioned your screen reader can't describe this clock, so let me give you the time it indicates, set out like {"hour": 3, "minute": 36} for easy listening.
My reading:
{"hour": 11, "minute": 31}
